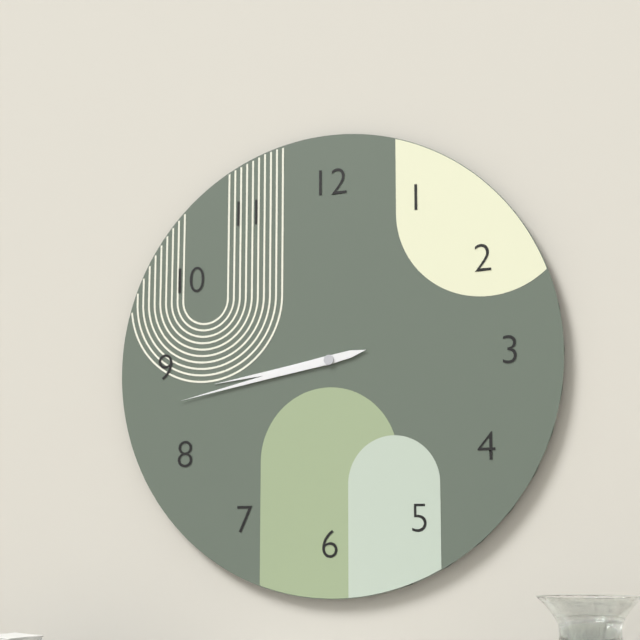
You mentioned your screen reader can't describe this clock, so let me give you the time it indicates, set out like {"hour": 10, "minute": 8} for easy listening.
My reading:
{"hour": 8, "minute": 43}
